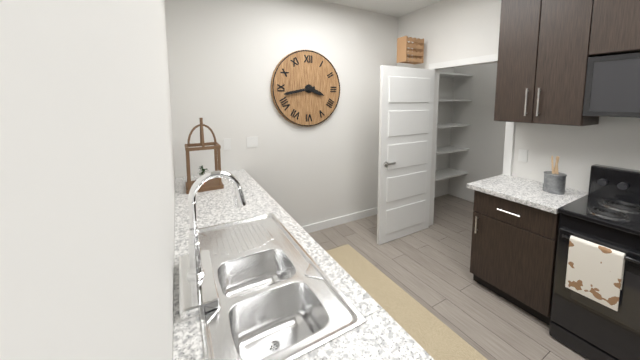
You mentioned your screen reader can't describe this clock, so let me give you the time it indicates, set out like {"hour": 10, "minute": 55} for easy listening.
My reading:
{"hour": 3, "minute": 43}
